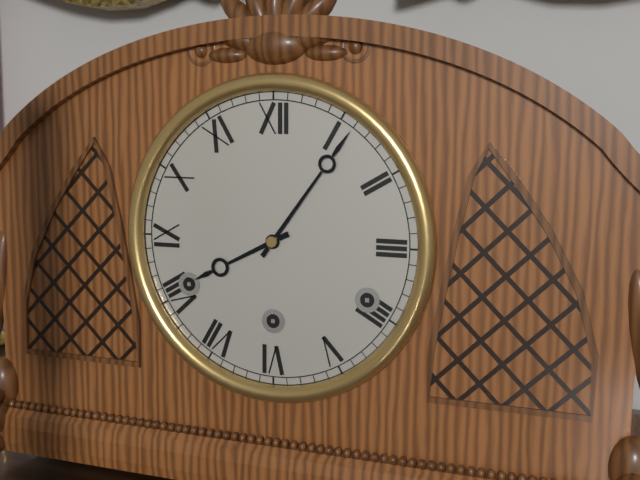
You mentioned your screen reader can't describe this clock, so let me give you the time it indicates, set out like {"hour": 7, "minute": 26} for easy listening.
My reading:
{"hour": 8, "minute": 6}
